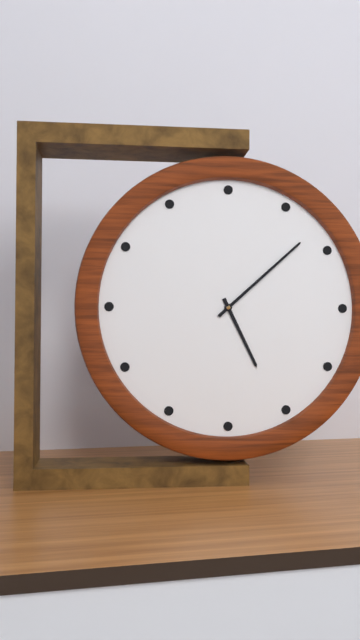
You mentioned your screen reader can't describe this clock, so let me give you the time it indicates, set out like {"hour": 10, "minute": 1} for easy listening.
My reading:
{"hour": 5, "minute": 8}
